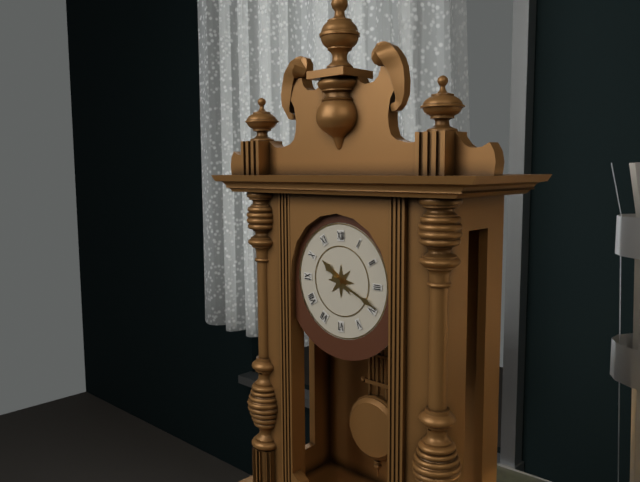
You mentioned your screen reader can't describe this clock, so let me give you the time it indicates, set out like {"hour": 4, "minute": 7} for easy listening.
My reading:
{"hour": 10, "minute": 19}
